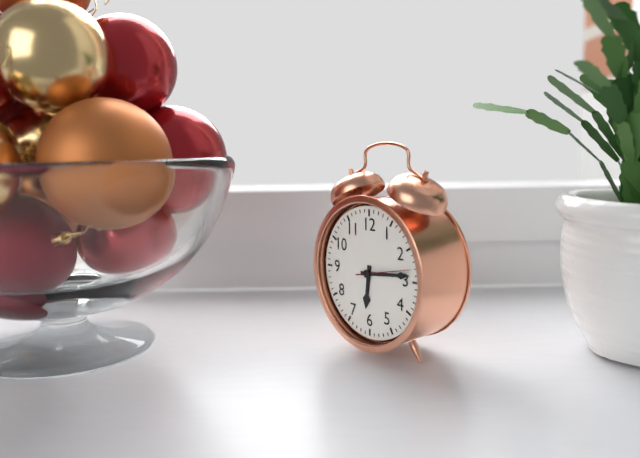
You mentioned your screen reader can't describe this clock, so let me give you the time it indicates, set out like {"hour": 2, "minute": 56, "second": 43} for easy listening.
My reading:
{"hour": 6, "minute": 14, "second": 13}
